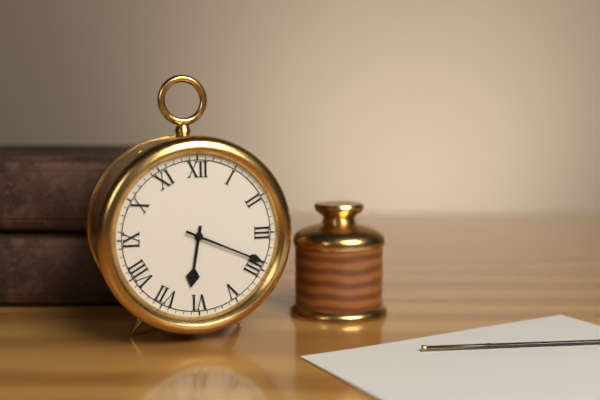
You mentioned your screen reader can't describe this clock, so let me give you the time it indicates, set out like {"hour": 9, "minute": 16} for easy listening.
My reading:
{"hour": 6, "minute": 19}
